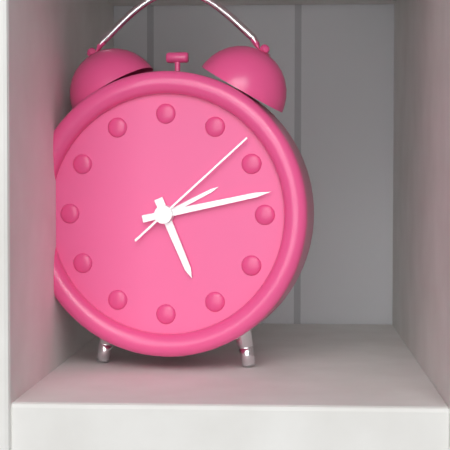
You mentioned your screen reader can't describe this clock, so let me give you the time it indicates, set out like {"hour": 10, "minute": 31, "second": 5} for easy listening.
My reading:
{"hour": 5, "minute": 13, "second": 8}
